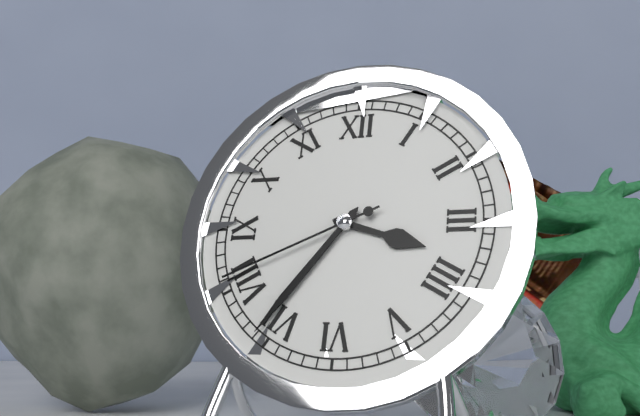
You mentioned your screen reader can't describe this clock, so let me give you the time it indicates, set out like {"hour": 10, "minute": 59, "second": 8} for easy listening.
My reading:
{"hour": 3, "minute": 36, "second": 41}
